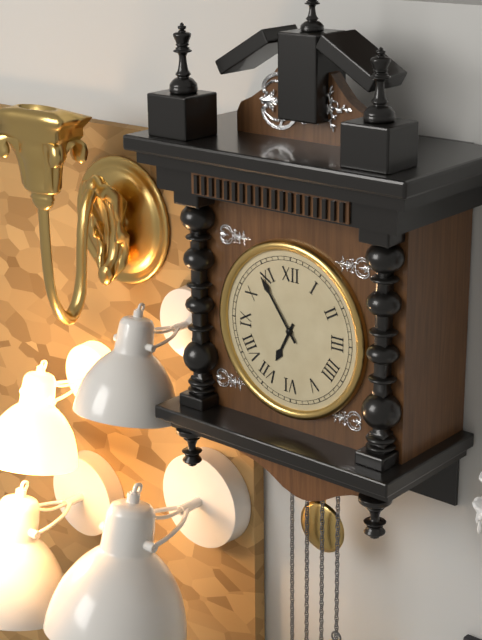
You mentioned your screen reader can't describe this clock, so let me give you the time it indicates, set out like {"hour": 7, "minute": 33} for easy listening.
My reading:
{"hour": 6, "minute": 54}
